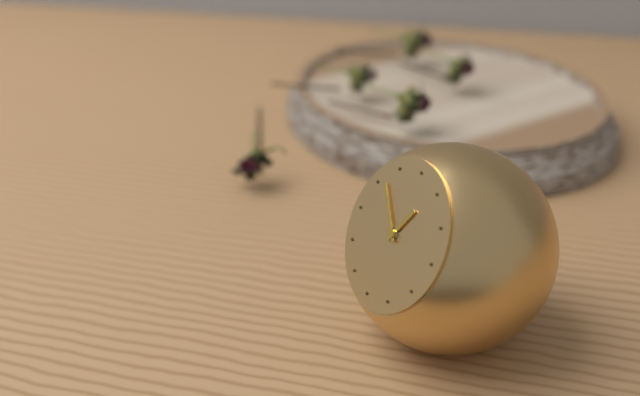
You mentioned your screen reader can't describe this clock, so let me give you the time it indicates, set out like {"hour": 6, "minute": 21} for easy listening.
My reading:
{"hour": 12, "minute": 52}
